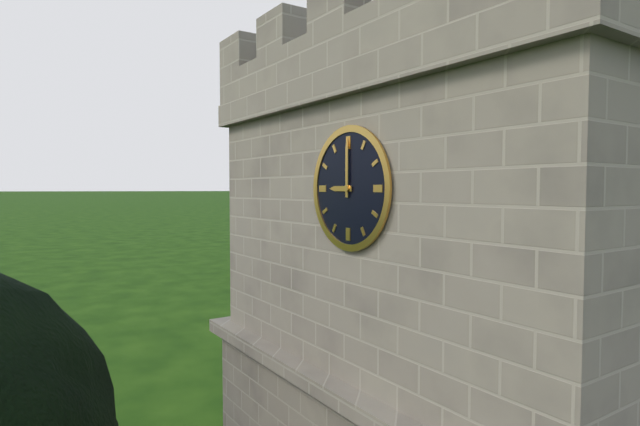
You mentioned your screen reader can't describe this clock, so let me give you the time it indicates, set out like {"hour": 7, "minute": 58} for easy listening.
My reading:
{"hour": 9, "minute": 0}
